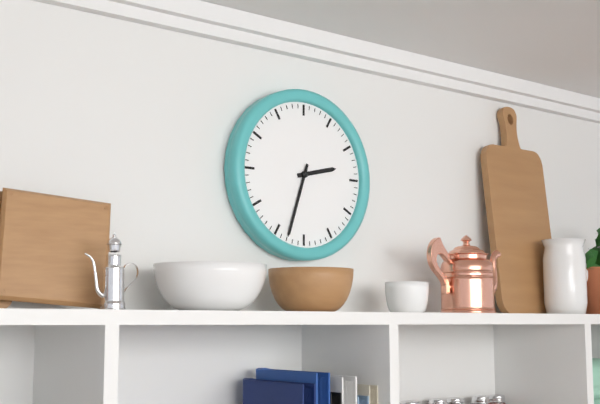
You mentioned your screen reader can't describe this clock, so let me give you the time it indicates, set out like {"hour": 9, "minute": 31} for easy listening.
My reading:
{"hour": 2, "minute": 33}
